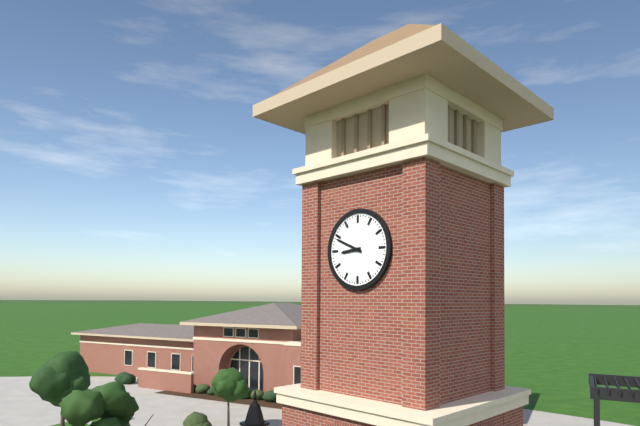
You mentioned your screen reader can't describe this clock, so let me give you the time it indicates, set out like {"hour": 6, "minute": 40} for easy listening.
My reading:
{"hour": 8, "minute": 49}
